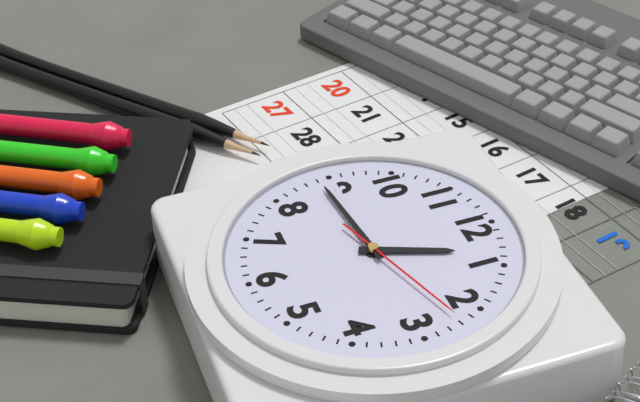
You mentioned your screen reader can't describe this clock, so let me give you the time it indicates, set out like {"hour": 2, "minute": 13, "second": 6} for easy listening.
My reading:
{"hour": 12, "minute": 44, "second": 12}
